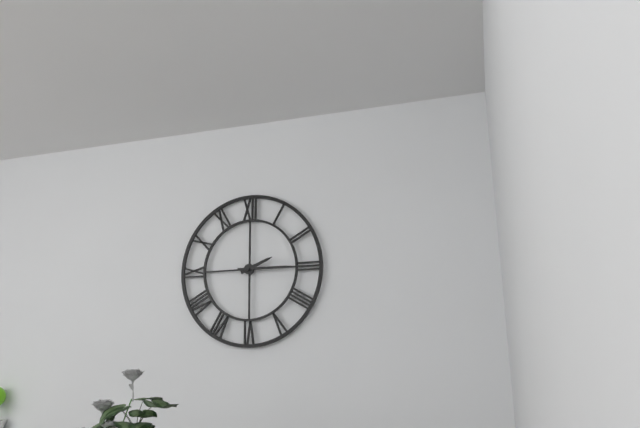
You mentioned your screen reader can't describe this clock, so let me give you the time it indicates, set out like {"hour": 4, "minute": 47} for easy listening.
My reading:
{"hour": 2, "minute": 15}
